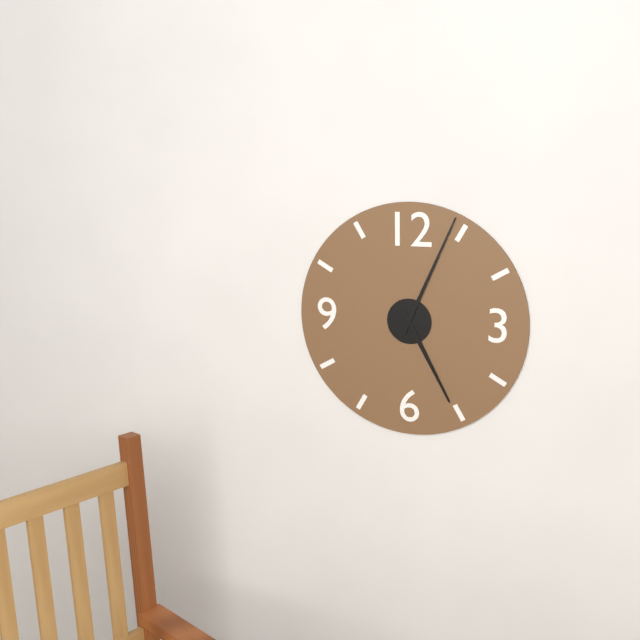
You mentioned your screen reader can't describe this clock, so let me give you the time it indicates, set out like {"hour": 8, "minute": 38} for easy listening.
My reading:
{"hour": 5, "minute": 4}
